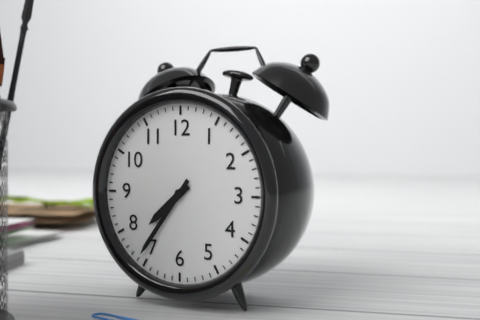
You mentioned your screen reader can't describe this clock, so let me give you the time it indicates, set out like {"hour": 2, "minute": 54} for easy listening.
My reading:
{"hour": 7, "minute": 36}
